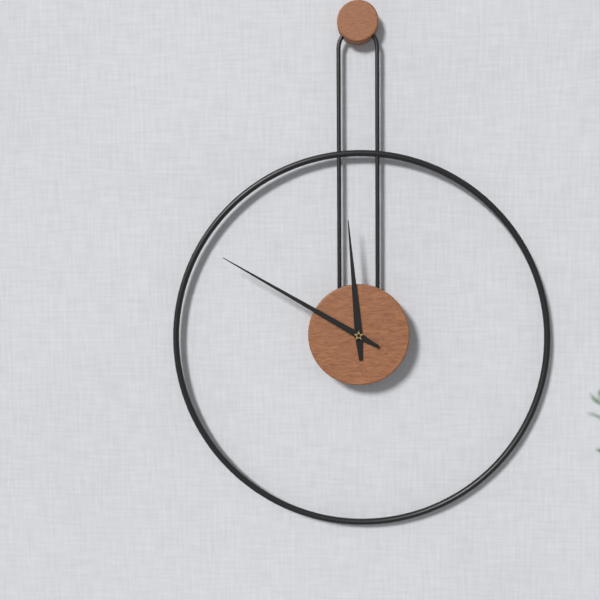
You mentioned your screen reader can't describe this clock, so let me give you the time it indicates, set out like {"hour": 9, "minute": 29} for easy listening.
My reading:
{"hour": 11, "minute": 50}
